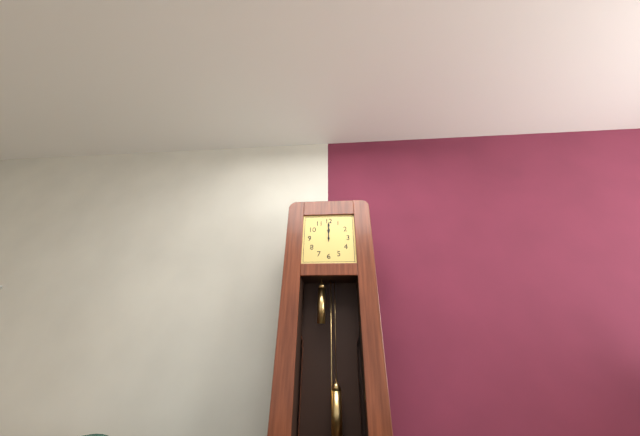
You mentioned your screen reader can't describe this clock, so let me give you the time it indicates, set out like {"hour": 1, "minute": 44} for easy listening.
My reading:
{"hour": 12, "minute": 0}
